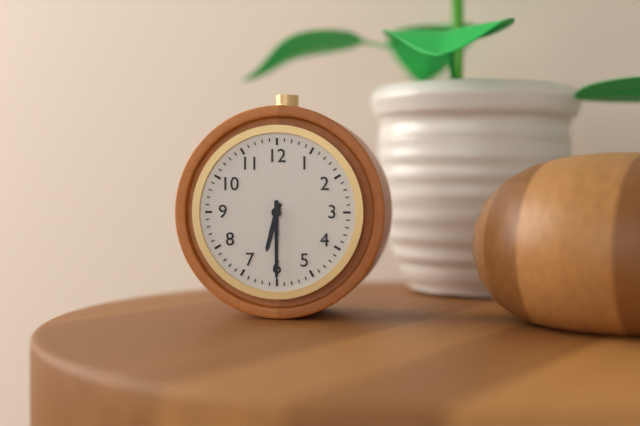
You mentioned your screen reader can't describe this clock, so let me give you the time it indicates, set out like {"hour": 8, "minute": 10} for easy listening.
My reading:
{"hour": 6, "minute": 30}
